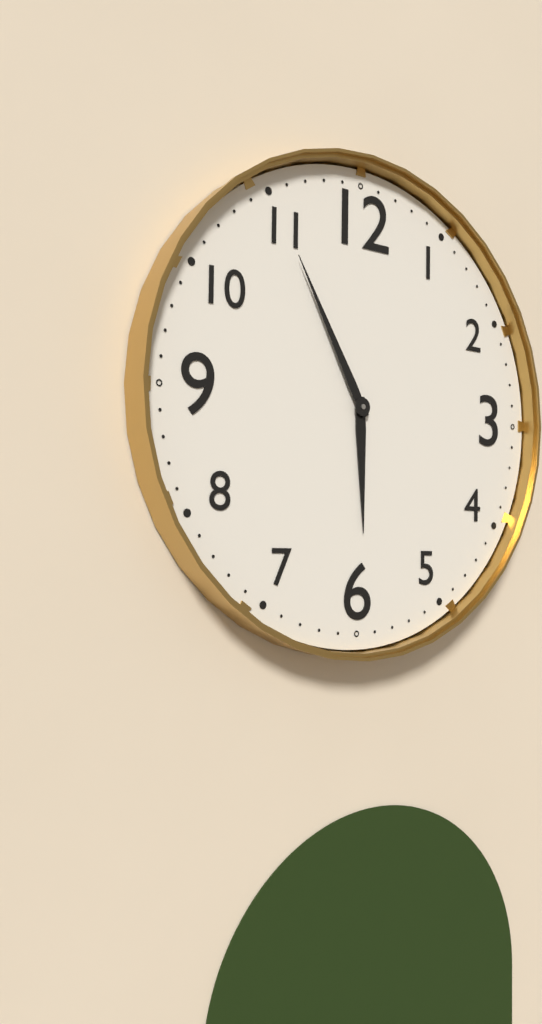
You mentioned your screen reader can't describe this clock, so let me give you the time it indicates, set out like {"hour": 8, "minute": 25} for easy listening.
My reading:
{"hour": 5, "minute": 55}
